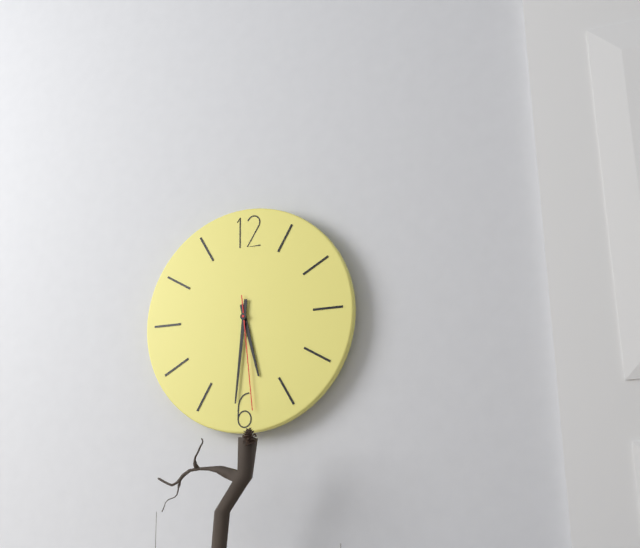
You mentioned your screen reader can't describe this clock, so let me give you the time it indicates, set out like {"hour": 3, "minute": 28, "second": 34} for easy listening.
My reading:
{"hour": 5, "minute": 31, "second": 29}
